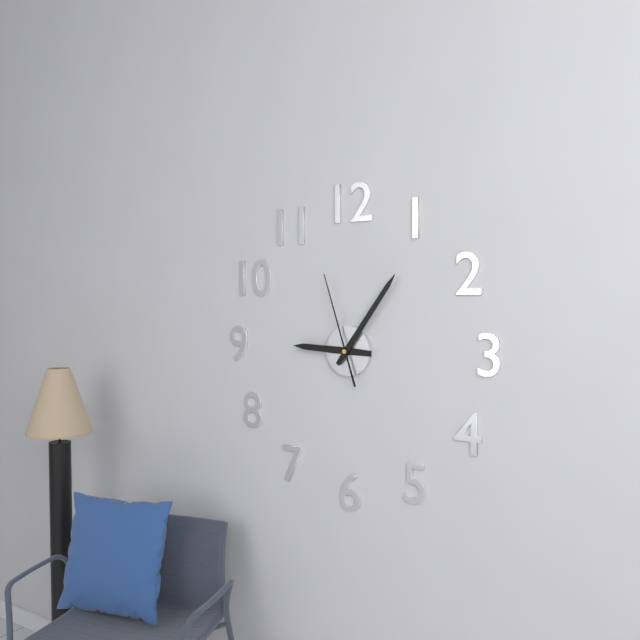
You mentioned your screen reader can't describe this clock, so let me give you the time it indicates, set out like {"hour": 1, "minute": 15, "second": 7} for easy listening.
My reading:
{"hour": 9, "minute": 6, "second": 57}
